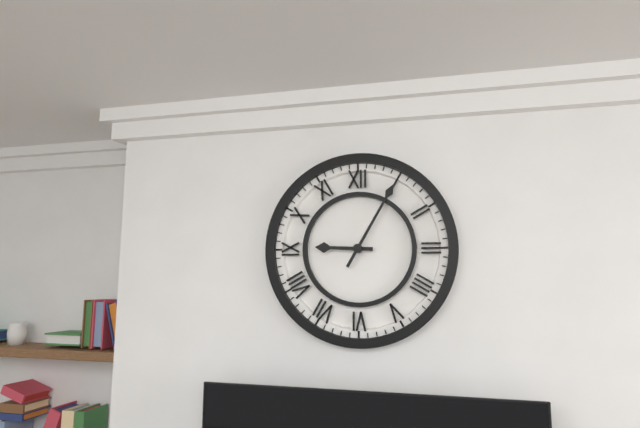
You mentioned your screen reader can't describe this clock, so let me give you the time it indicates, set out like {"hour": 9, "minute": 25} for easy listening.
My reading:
{"hour": 9, "minute": 5}
